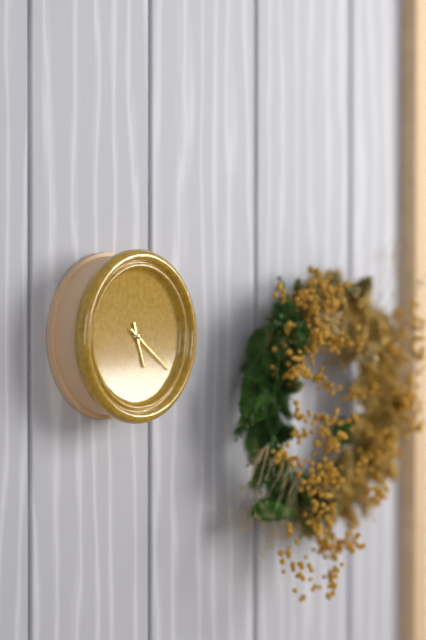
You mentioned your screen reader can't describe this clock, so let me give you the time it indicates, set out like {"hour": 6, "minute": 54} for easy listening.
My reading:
{"hour": 5, "minute": 21}
